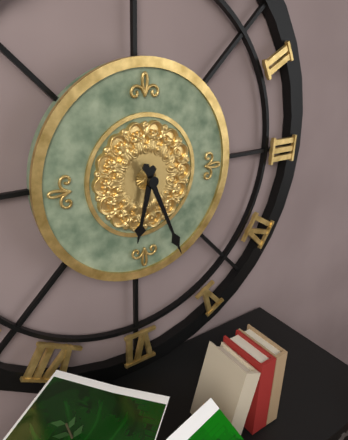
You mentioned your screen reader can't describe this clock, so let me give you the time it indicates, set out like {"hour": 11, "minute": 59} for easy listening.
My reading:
{"hour": 6, "minute": 26}
